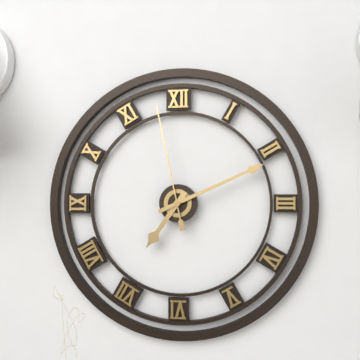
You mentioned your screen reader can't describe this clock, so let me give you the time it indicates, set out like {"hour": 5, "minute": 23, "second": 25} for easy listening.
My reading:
{"hour": 7, "minute": 11, "second": 58}
